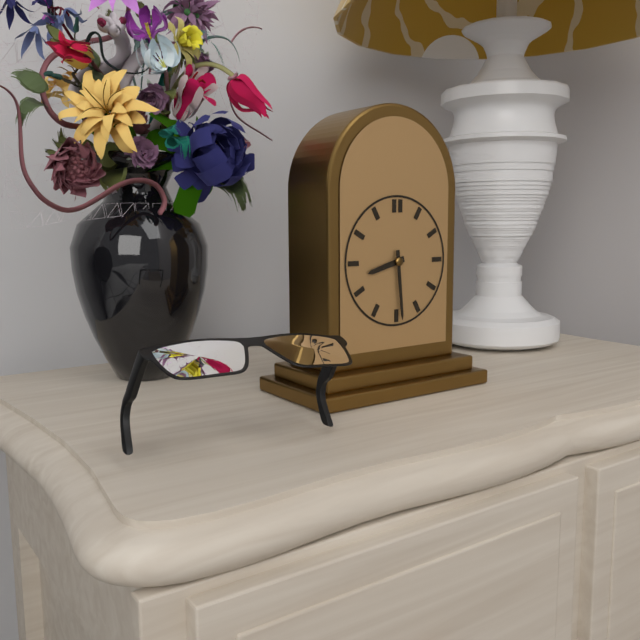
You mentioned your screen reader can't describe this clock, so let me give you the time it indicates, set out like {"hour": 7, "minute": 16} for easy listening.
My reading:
{"hour": 8, "minute": 29}
